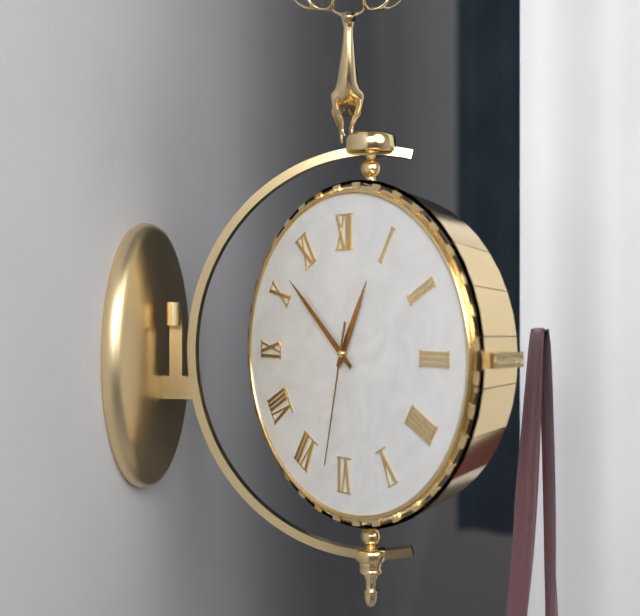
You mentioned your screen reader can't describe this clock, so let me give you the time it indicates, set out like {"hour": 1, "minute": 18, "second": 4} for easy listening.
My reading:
{"hour": 12, "minute": 52, "second": 32}
